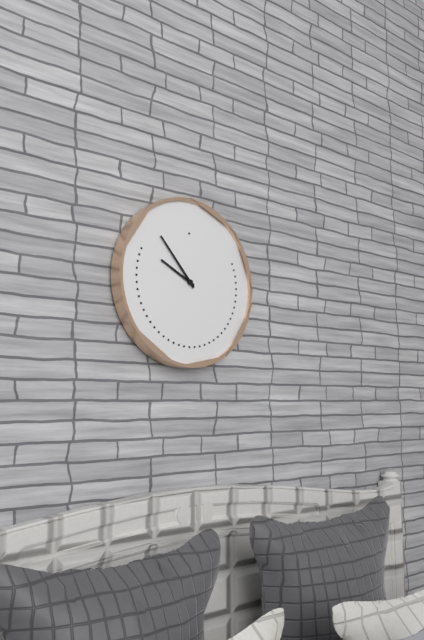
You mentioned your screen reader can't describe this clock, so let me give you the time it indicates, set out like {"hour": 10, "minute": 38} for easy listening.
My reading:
{"hour": 9, "minute": 53}
